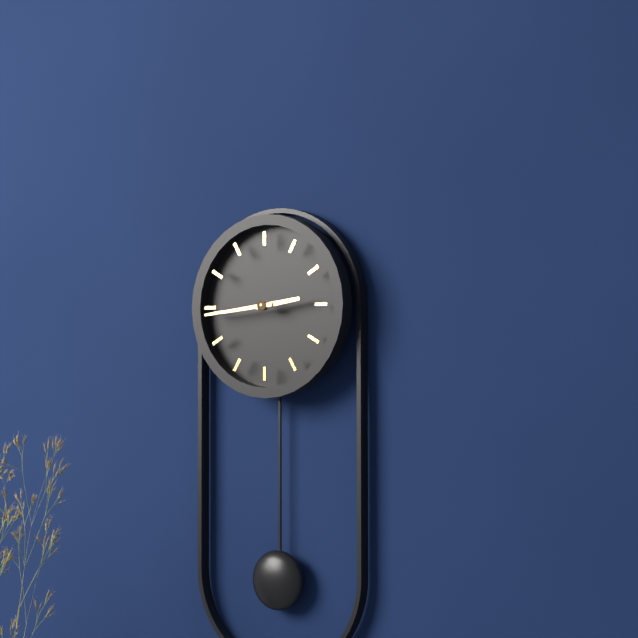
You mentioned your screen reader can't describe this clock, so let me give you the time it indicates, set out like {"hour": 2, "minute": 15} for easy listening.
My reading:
{"hour": 2, "minute": 44}
